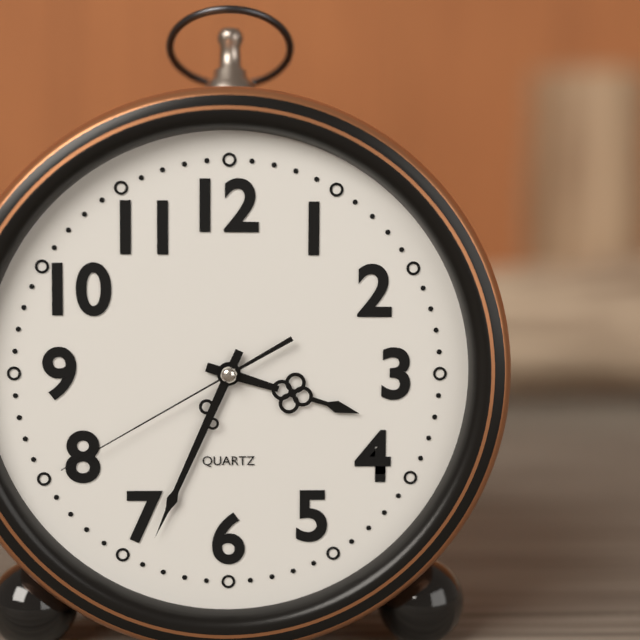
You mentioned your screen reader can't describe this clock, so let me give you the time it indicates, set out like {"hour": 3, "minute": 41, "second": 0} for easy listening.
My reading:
{"hour": 3, "minute": 34, "second": 40}
